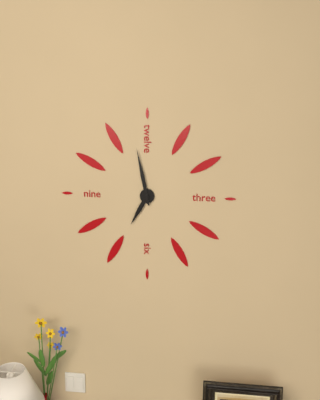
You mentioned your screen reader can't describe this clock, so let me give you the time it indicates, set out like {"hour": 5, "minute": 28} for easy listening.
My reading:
{"hour": 6, "minute": 58}
